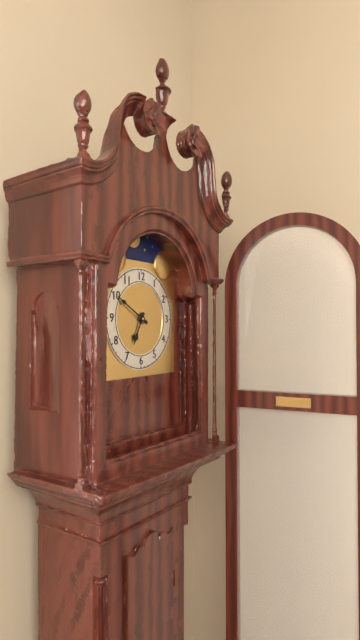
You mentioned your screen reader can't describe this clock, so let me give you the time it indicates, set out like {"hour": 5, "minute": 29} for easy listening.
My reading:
{"hour": 6, "minute": 50}
